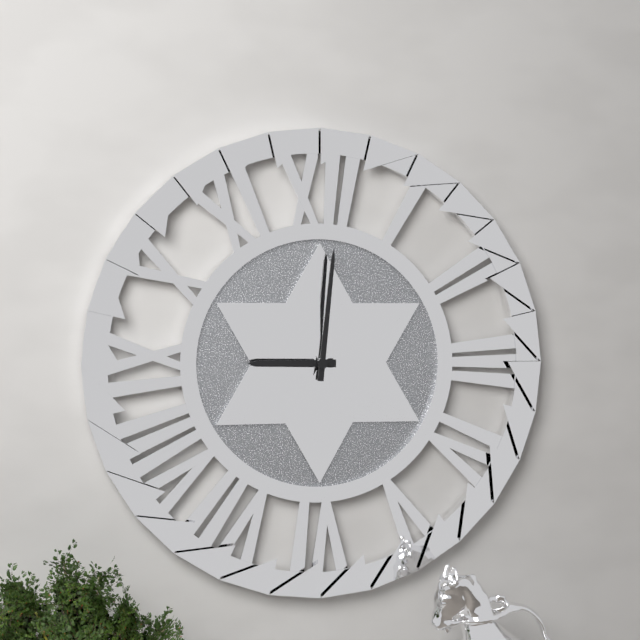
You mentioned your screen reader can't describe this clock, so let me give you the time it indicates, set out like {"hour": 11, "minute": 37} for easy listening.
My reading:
{"hour": 9, "minute": 1}
